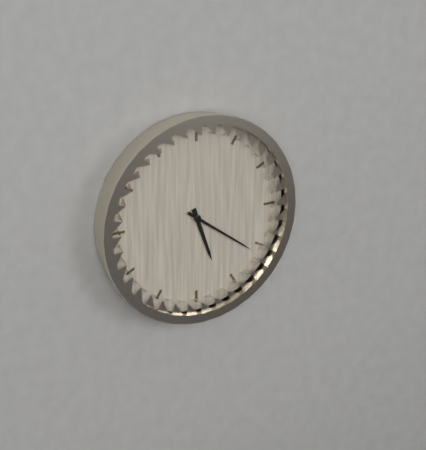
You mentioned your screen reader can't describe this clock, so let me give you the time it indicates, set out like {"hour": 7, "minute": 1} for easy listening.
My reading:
{"hour": 5, "minute": 21}
